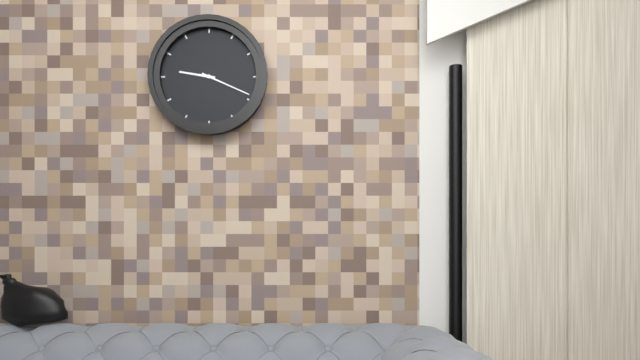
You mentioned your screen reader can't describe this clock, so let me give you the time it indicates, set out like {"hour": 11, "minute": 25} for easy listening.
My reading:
{"hour": 9, "minute": 19}
